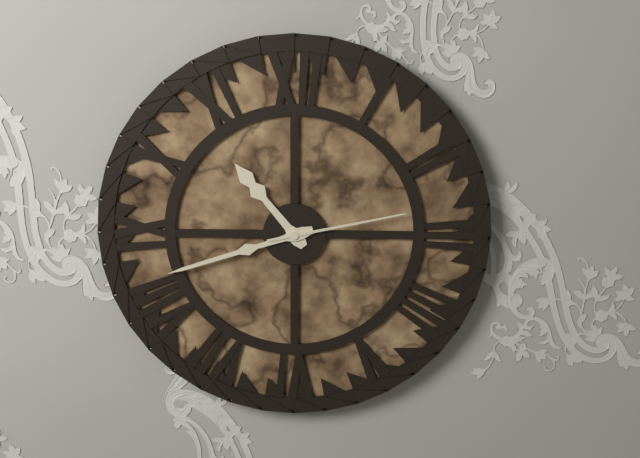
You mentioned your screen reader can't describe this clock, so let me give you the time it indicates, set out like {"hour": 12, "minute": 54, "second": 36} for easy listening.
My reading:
{"hour": 10, "minute": 42, "second": 13}
